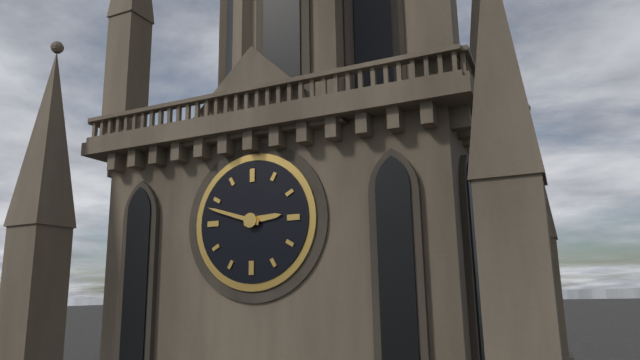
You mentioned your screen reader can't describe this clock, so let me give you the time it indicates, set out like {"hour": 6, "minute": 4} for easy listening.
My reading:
{"hour": 2, "minute": 48}
